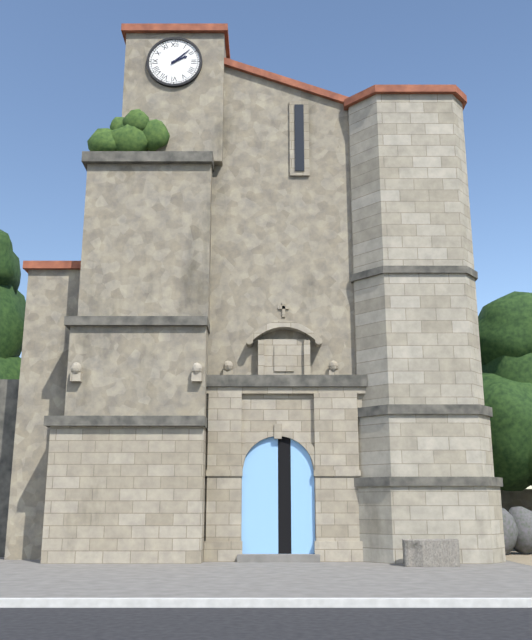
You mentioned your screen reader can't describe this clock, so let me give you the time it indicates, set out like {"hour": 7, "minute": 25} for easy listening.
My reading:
{"hour": 2, "minute": 8}
